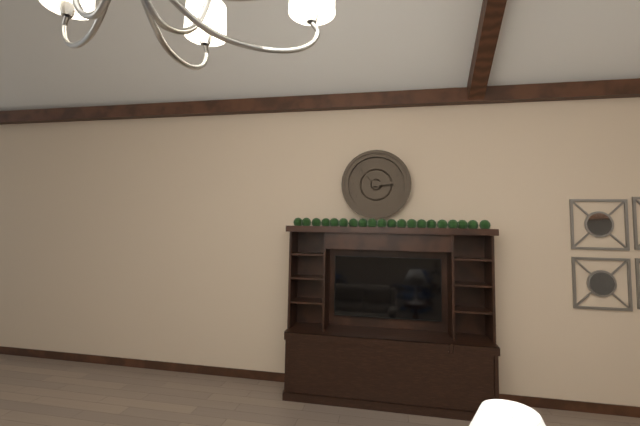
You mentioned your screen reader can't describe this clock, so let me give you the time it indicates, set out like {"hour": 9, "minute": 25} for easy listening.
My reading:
{"hour": 2, "minute": 53}
